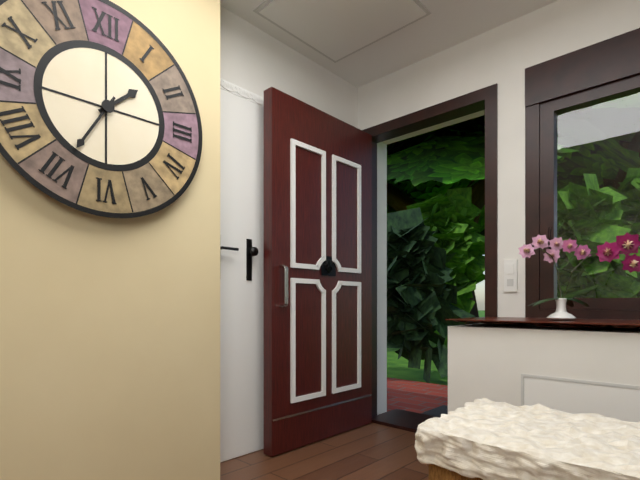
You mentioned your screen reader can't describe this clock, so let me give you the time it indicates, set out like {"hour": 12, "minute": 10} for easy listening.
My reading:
{"hour": 1, "minute": 35}
